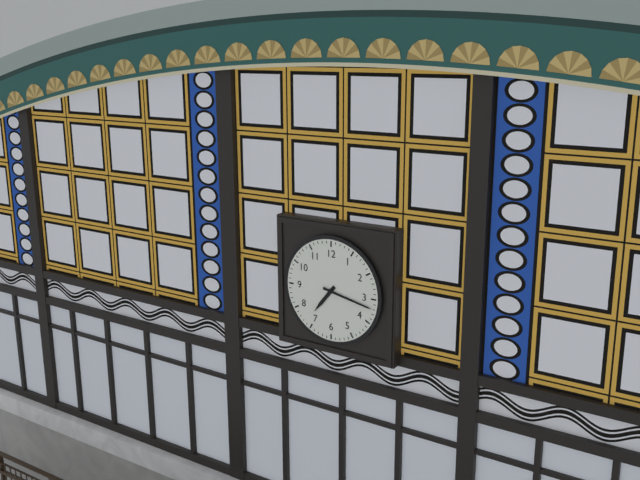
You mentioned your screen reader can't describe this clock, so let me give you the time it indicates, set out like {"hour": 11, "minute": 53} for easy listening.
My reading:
{"hour": 7, "minute": 17}
